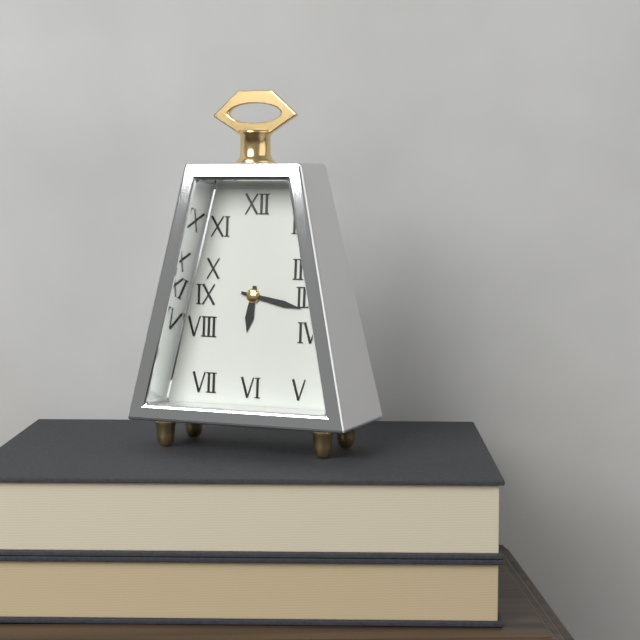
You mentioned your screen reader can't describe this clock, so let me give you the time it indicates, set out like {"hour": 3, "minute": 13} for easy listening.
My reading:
{"hour": 6, "minute": 17}
